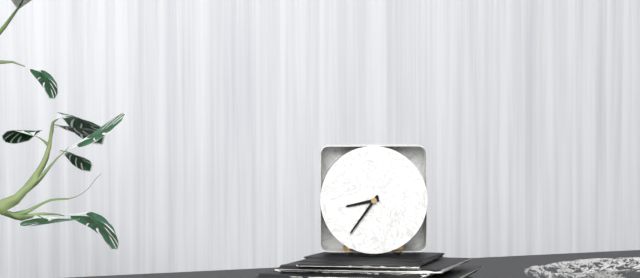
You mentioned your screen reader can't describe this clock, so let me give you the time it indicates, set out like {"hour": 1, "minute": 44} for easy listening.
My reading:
{"hour": 8, "minute": 36}
